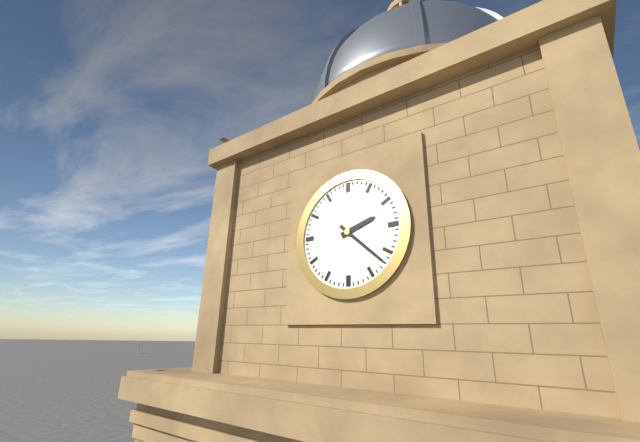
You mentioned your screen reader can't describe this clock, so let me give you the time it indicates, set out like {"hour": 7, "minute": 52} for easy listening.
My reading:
{"hour": 2, "minute": 22}
